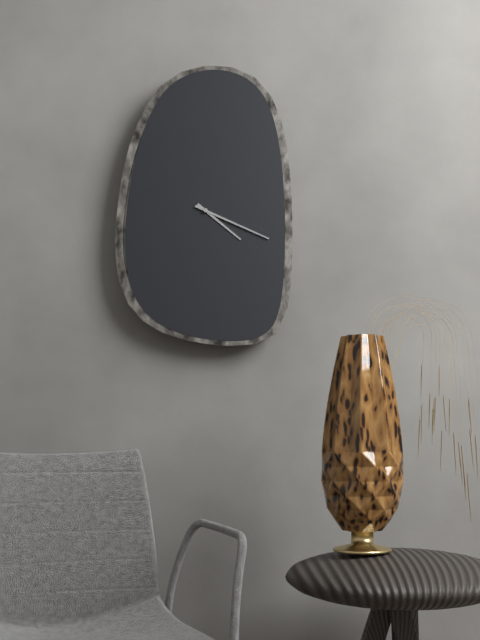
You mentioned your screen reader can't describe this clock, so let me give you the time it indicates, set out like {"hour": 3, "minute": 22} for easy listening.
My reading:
{"hour": 4, "minute": 19}
